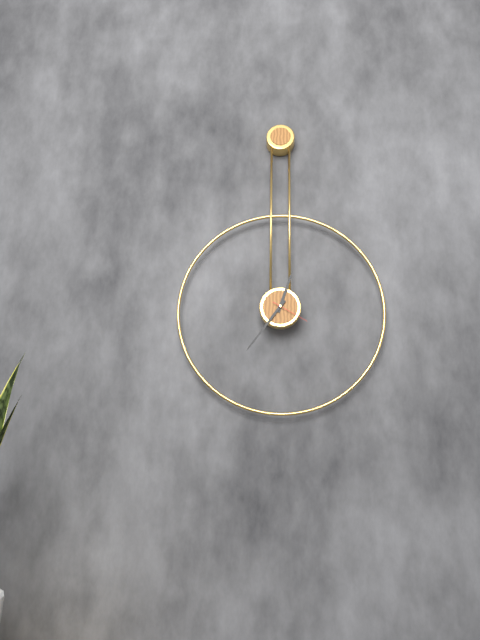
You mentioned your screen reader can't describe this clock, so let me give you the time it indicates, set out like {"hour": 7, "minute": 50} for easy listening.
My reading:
{"hour": 12, "minute": 36}
